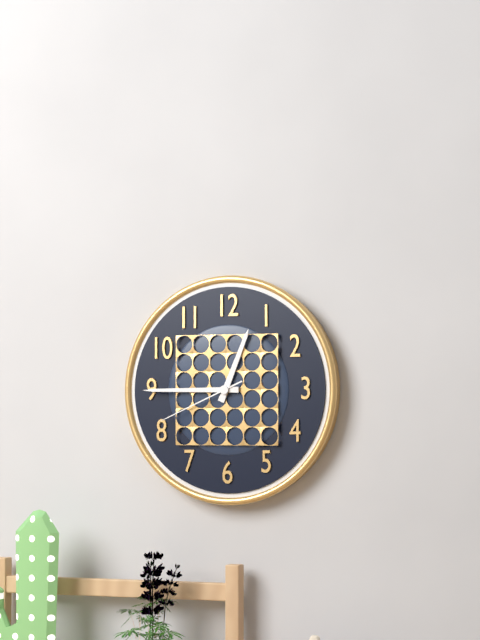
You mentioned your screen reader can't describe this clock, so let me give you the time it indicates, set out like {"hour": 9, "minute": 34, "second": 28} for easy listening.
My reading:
{"hour": 12, "minute": 45, "second": 41}
